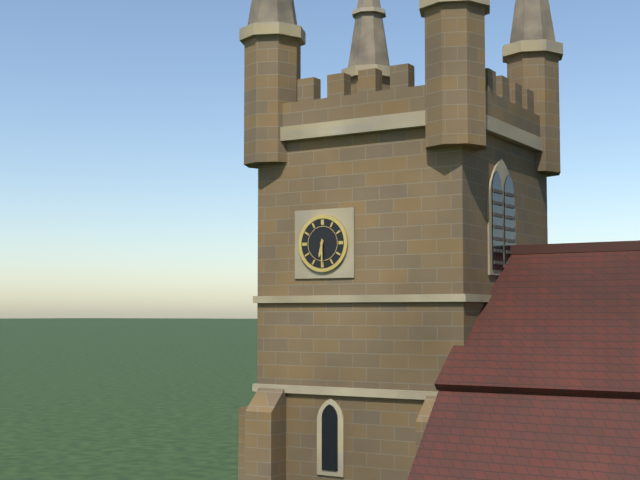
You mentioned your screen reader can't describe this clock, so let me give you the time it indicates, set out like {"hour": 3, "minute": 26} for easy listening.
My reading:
{"hour": 6, "minute": 30}
